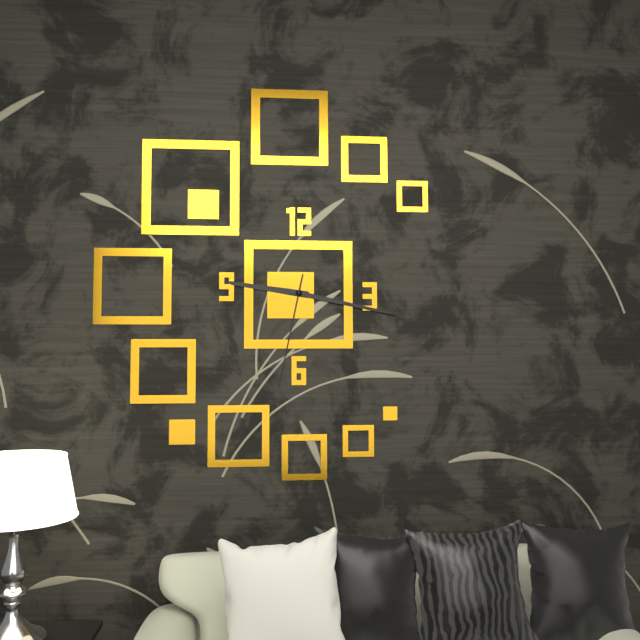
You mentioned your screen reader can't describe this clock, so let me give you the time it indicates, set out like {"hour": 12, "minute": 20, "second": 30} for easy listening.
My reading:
{"hour": 9, "minute": 17, "second": 32}
